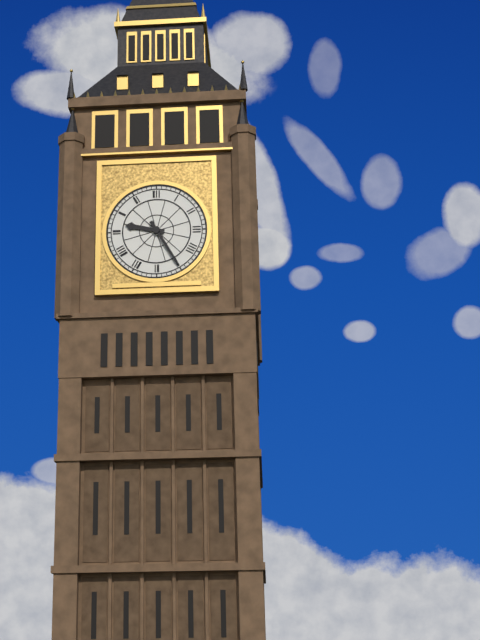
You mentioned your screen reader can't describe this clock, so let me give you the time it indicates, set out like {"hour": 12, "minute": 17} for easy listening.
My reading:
{"hour": 9, "minute": 25}
